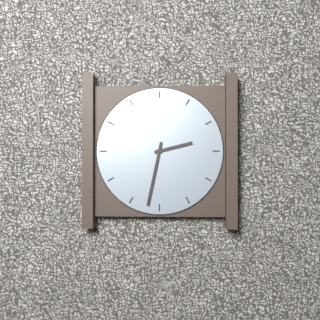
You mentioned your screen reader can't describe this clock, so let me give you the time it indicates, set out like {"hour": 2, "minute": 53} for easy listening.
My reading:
{"hour": 2, "minute": 32}
